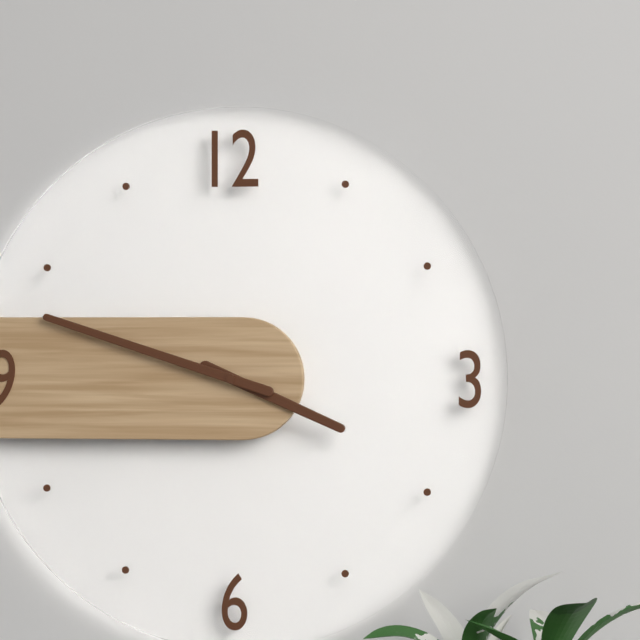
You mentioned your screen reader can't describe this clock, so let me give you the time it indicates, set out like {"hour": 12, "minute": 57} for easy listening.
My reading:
{"hour": 3, "minute": 48}
